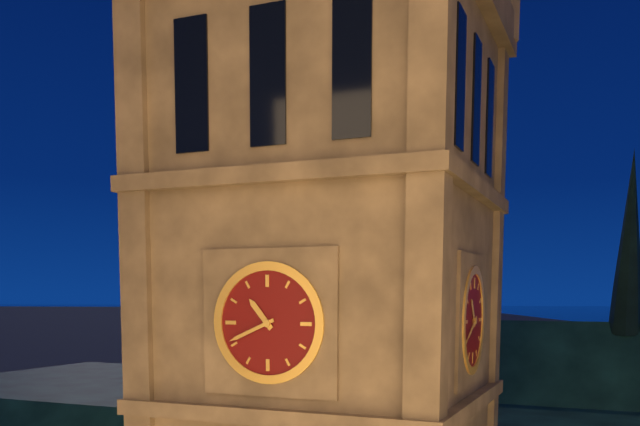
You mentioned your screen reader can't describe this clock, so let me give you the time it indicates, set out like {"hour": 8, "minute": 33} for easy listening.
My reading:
{"hour": 10, "minute": 41}
